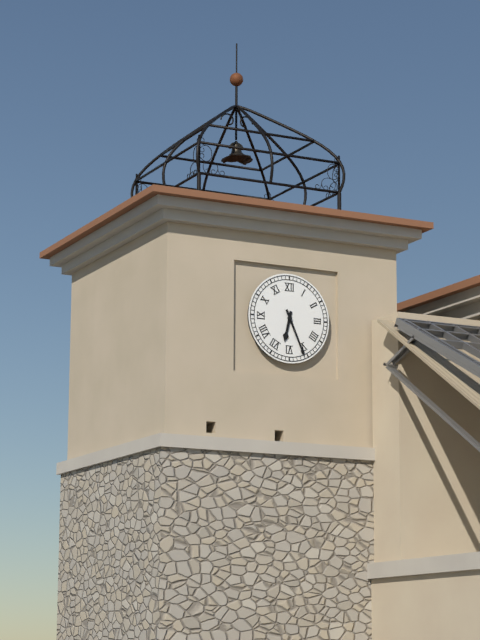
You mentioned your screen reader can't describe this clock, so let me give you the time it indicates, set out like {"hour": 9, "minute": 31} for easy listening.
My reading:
{"hour": 6, "minute": 26}
